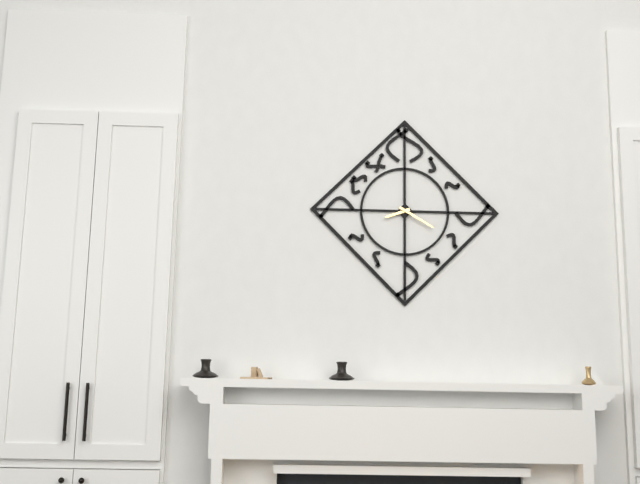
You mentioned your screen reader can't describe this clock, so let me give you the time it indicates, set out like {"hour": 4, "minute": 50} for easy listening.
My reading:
{"hour": 8, "minute": 20}
